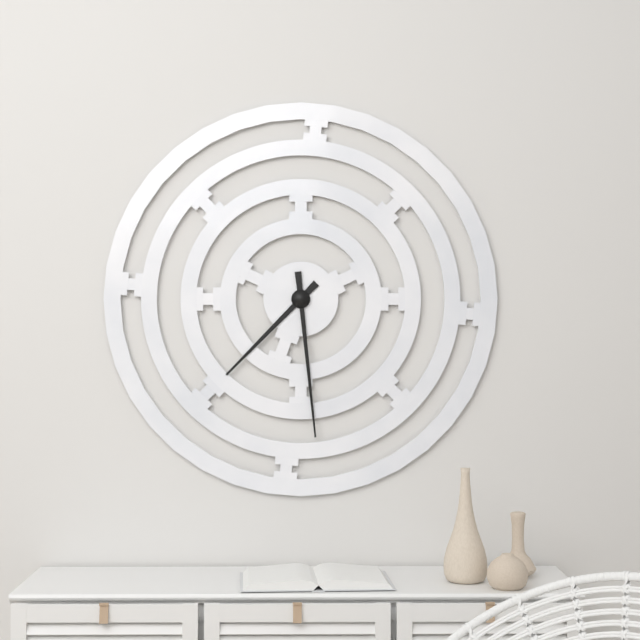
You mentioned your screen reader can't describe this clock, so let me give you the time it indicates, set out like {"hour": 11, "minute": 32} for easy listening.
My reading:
{"hour": 7, "minute": 29}
